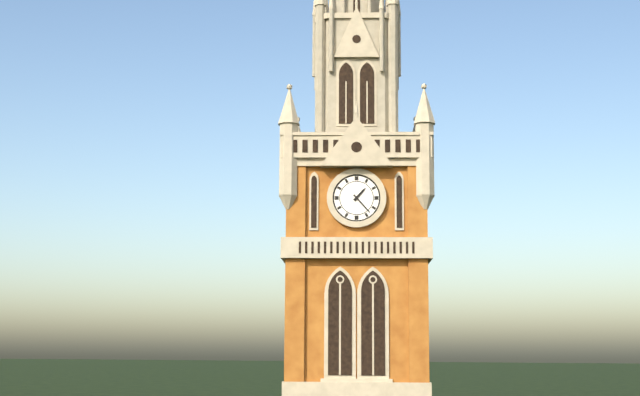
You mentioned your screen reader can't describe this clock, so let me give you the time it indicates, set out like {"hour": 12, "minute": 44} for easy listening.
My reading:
{"hour": 1, "minute": 23}
